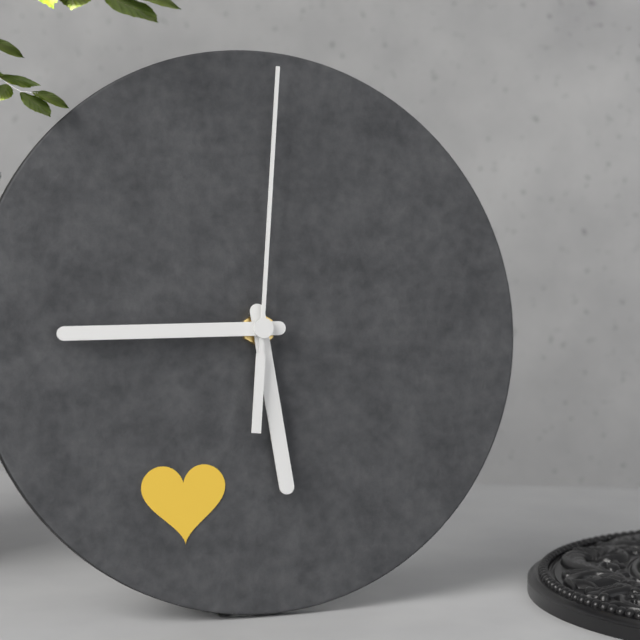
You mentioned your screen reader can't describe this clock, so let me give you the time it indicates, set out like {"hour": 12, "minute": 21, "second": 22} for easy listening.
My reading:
{"hour": 5, "minute": 45, "second": 1}
